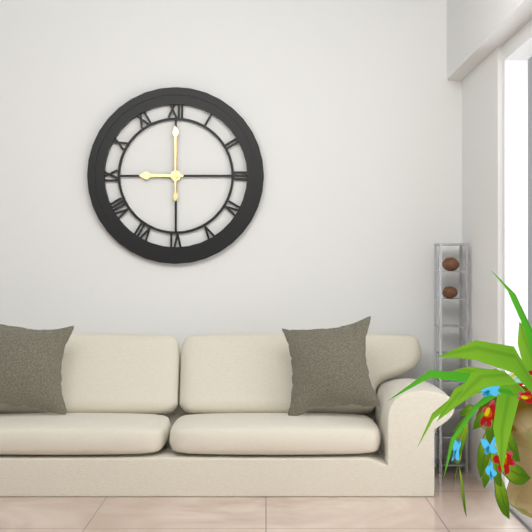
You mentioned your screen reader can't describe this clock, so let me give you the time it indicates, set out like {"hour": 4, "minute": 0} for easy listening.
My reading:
{"hour": 9, "minute": 0}
